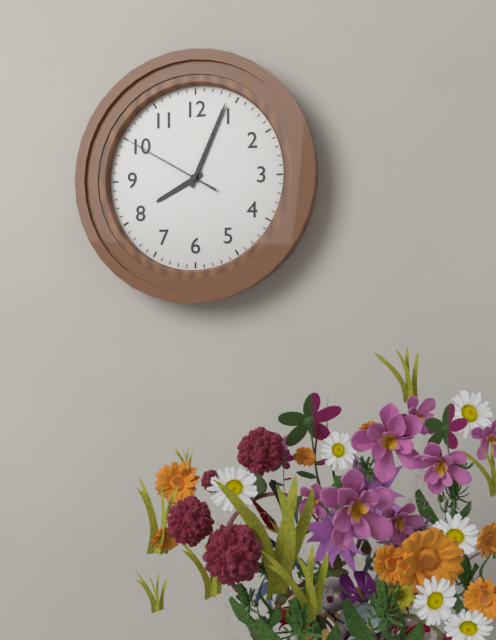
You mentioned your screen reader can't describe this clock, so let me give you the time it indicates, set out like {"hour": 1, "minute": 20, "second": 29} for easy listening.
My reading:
{"hour": 8, "minute": 4, "second": 50}
